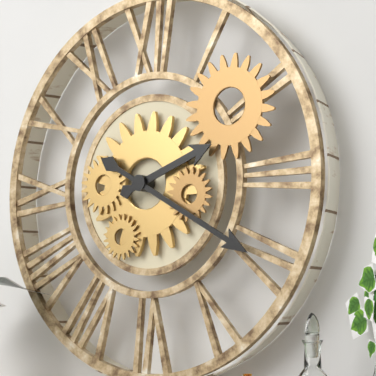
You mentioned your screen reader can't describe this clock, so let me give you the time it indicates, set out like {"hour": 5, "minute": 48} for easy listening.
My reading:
{"hour": 2, "minute": 20}
